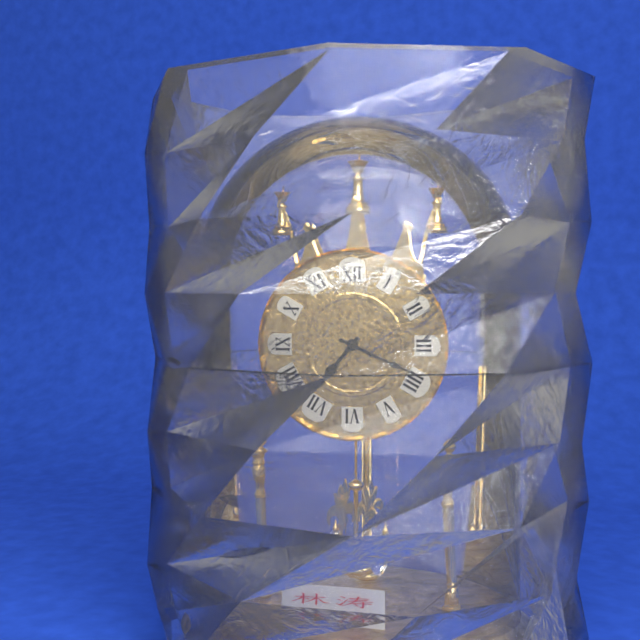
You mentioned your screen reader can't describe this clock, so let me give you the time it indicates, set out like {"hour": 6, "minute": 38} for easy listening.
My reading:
{"hour": 7, "minute": 19}
